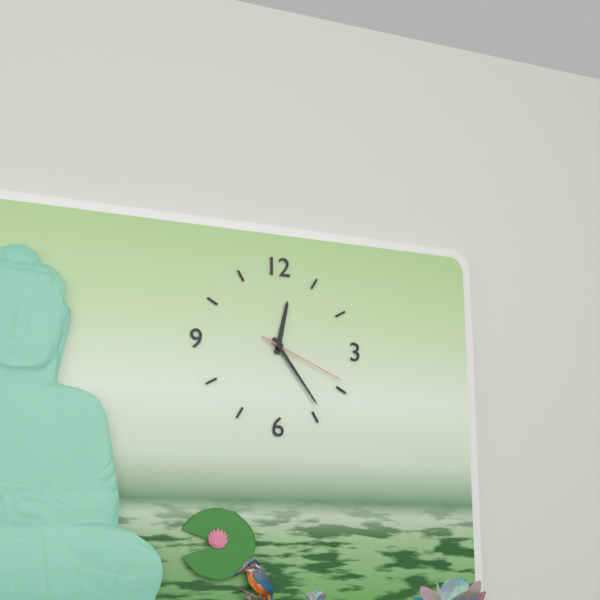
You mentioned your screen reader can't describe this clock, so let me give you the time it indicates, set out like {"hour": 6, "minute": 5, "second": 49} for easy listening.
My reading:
{"hour": 12, "minute": 24, "second": 19}
